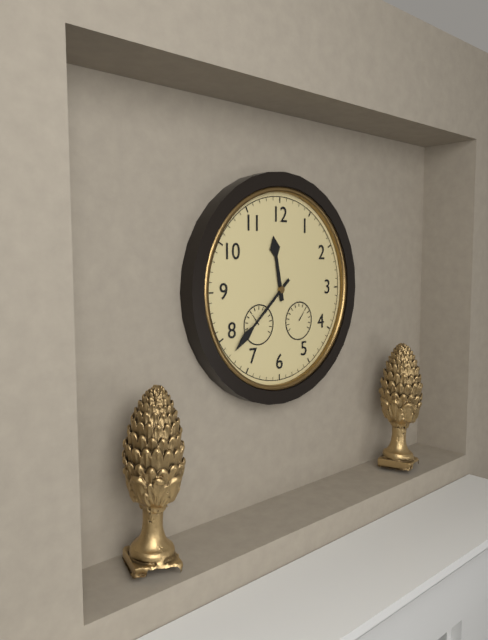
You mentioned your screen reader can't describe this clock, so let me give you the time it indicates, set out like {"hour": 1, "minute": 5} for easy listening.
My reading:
{"hour": 11, "minute": 38}
